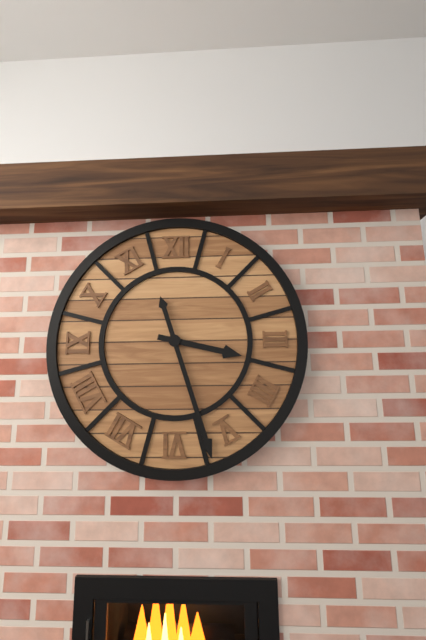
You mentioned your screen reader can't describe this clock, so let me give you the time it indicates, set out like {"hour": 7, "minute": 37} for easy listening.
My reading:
{"hour": 3, "minute": 27}
